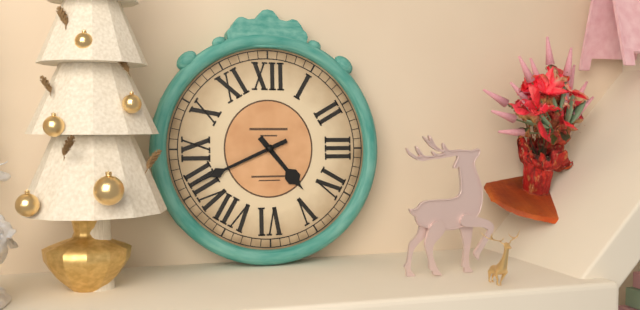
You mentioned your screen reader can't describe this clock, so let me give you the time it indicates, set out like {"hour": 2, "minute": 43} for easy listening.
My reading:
{"hour": 4, "minute": 41}
